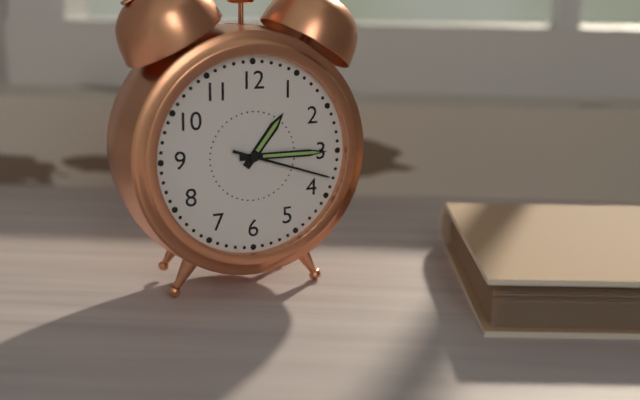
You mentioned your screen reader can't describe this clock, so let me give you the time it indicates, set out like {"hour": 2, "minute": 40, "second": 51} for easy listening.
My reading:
{"hour": 1, "minute": 15, "second": 18}
